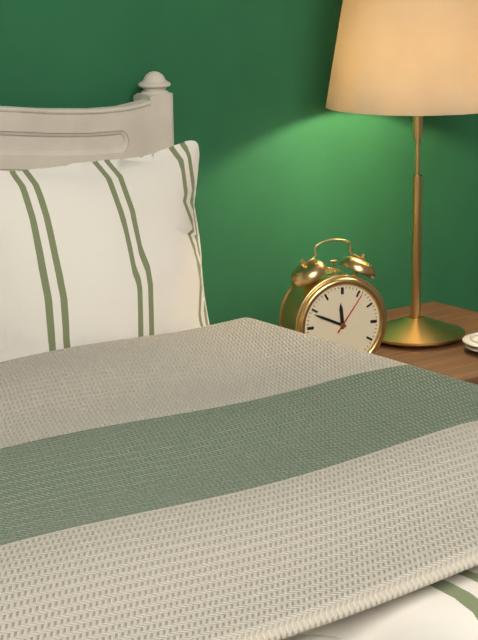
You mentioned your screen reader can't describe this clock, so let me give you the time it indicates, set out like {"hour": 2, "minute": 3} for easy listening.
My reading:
{"hour": 11, "minute": 49}
